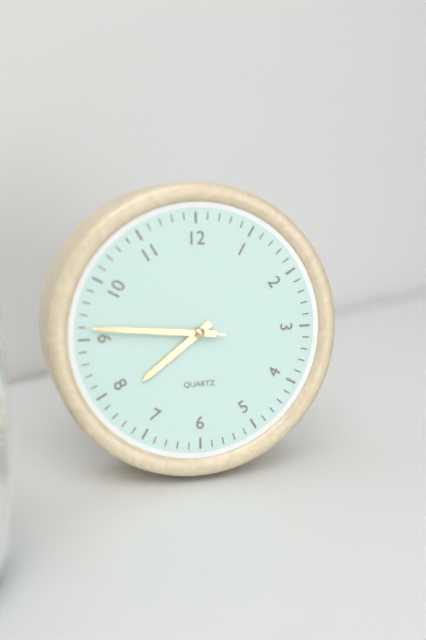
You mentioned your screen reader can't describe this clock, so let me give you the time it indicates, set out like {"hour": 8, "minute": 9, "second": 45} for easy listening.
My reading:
{"hour": 7, "minute": 46, "second": 46}
